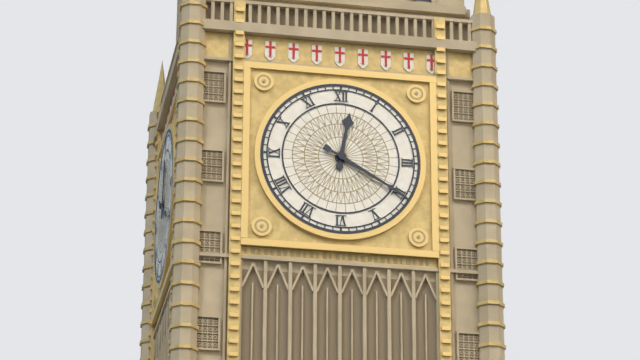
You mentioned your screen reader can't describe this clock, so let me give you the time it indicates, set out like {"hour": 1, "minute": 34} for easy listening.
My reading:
{"hour": 12, "minute": 20}
